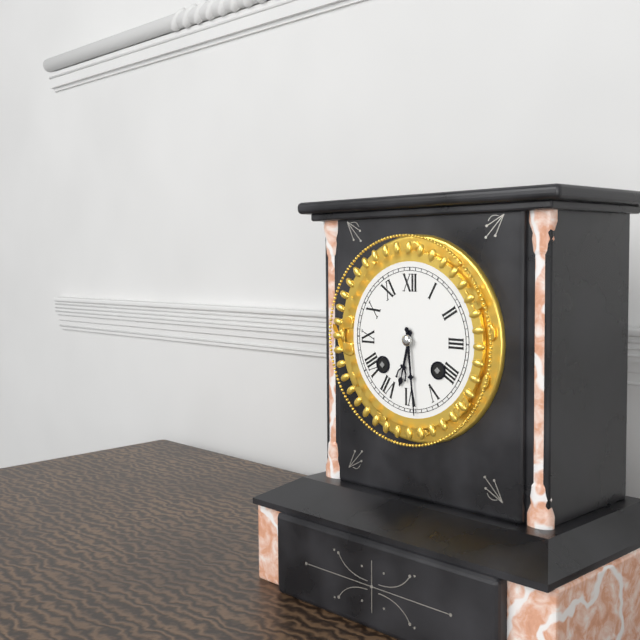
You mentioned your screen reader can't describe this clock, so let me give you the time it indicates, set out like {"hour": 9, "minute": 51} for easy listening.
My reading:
{"hour": 6, "minute": 29}
